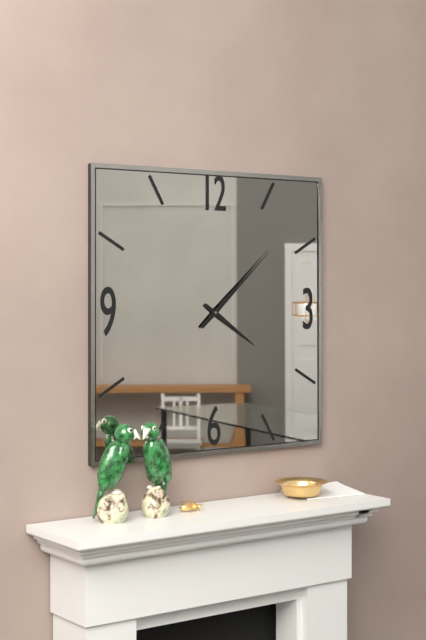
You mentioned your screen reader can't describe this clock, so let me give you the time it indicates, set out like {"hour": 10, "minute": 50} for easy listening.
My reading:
{"hour": 4, "minute": 8}
